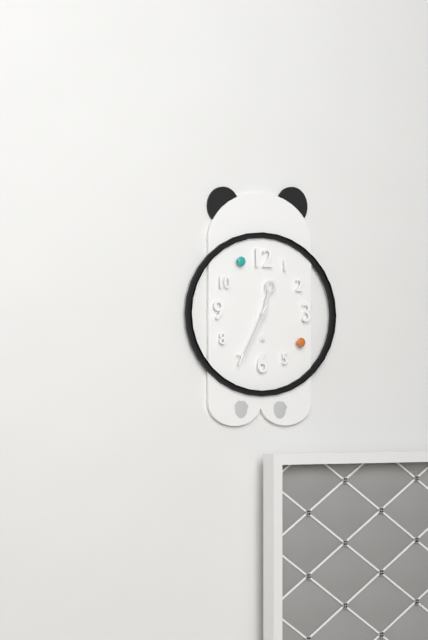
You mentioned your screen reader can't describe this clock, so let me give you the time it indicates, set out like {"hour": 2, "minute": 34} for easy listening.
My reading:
{"hour": 12, "minute": 35}
